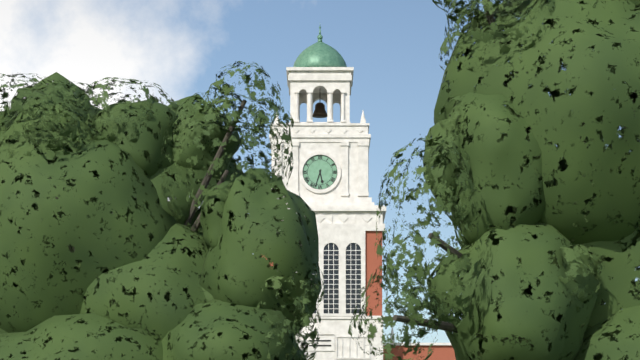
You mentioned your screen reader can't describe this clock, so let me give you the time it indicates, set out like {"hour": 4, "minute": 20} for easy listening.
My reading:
{"hour": 5, "minute": 33}
